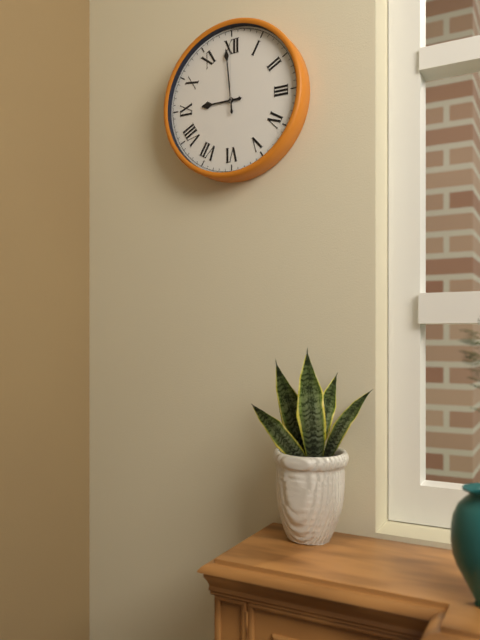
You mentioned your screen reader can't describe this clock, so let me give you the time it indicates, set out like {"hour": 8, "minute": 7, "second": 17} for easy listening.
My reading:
{"hour": 8, "minute": 59, "second": 0}
